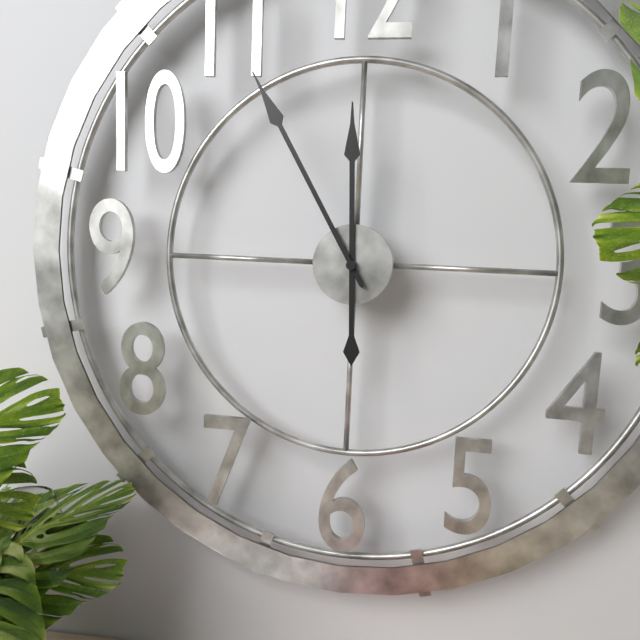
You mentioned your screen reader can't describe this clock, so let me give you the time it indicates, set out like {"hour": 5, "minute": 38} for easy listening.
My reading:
{"hour": 11, "minute": 55}
